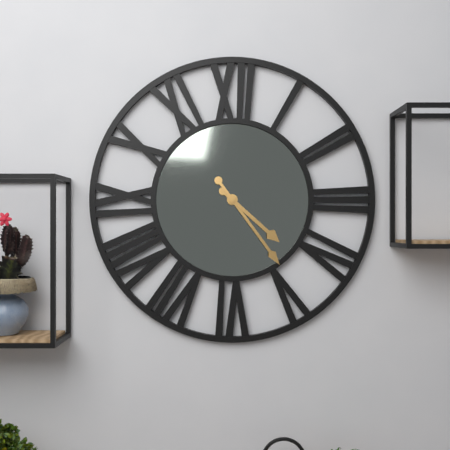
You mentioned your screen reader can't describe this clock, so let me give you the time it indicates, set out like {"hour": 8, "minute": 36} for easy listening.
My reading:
{"hour": 4, "minute": 24}
